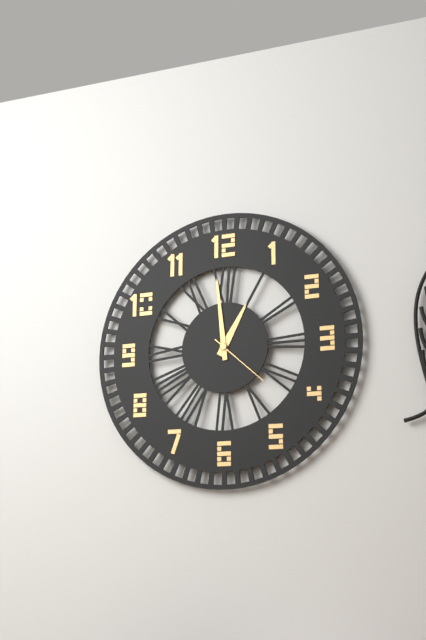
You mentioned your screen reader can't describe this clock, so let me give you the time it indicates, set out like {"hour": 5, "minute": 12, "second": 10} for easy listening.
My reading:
{"hour": 12, "minute": 59, "second": 22}
